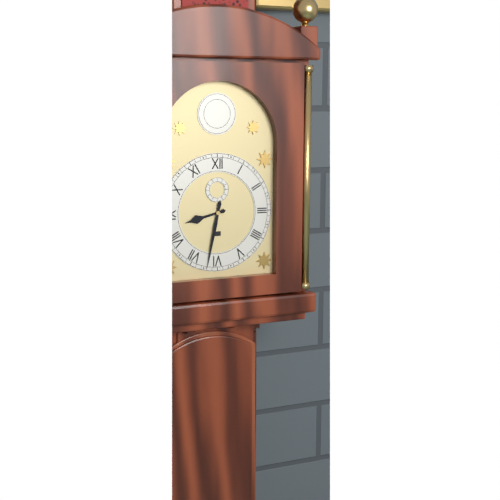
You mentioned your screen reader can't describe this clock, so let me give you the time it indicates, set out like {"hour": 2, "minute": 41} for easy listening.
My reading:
{"hour": 8, "minute": 32}
